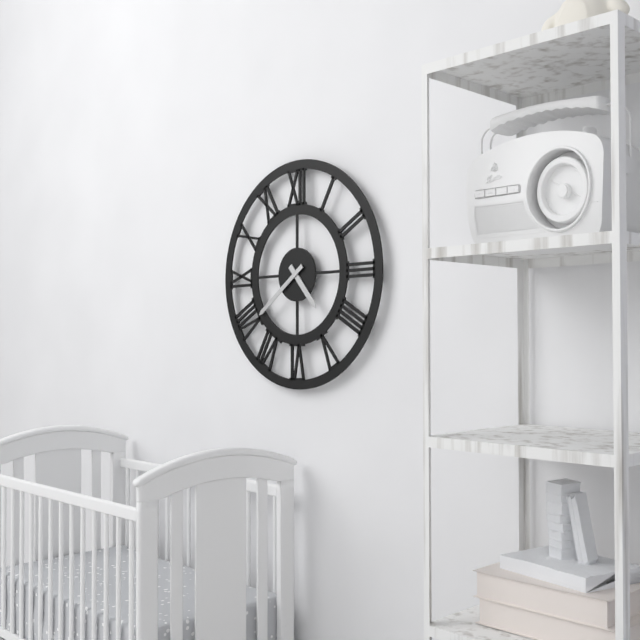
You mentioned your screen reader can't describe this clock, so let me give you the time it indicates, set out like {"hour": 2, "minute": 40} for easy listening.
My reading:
{"hour": 4, "minute": 39}
